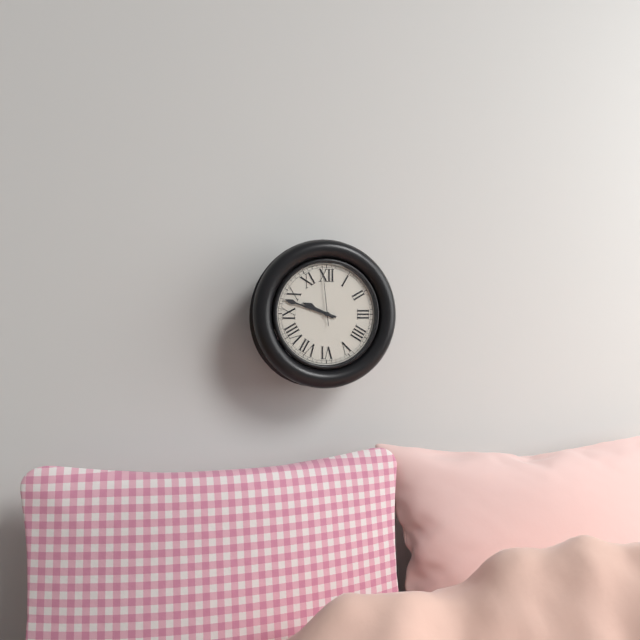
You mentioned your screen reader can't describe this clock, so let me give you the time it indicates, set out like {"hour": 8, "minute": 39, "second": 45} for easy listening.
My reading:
{"hour": 9, "minute": 48, "second": 59}
